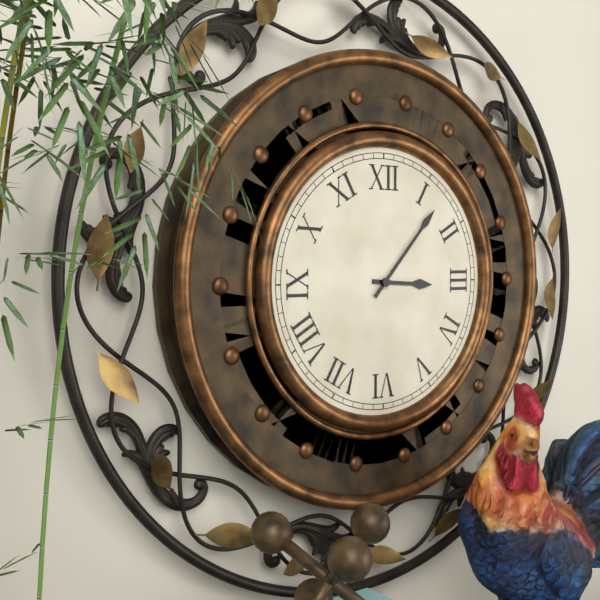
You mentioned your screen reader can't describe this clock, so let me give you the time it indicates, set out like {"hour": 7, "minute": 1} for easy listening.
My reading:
{"hour": 3, "minute": 7}
